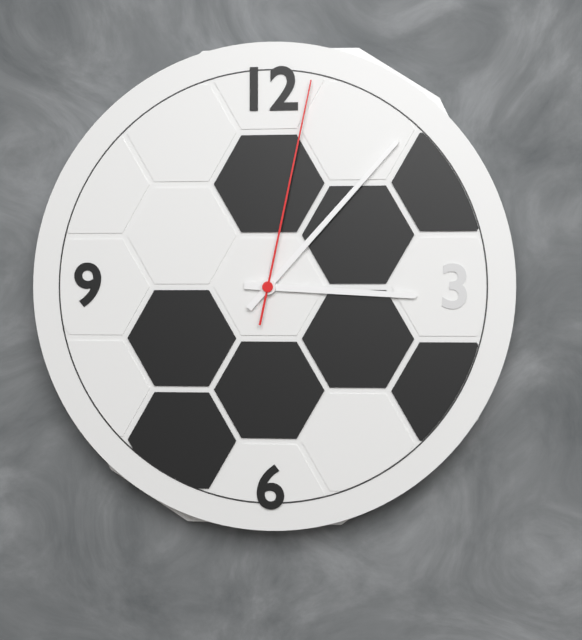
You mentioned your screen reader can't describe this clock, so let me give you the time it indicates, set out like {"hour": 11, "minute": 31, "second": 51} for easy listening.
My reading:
{"hour": 3, "minute": 7, "second": 2}
